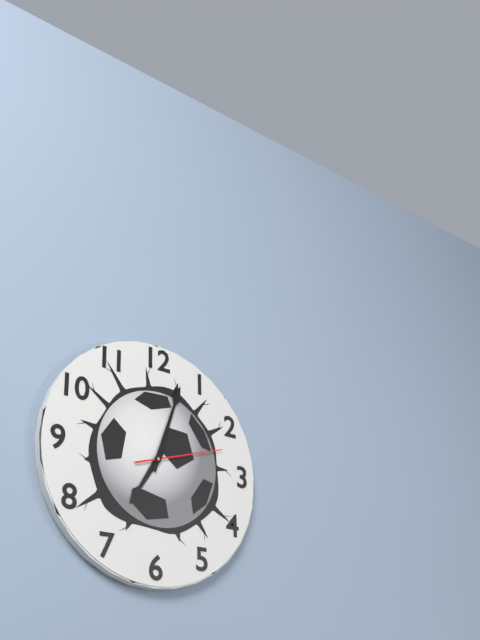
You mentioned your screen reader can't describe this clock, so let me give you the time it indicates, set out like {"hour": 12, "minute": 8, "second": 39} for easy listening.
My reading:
{"hour": 7, "minute": 3, "second": 12}
